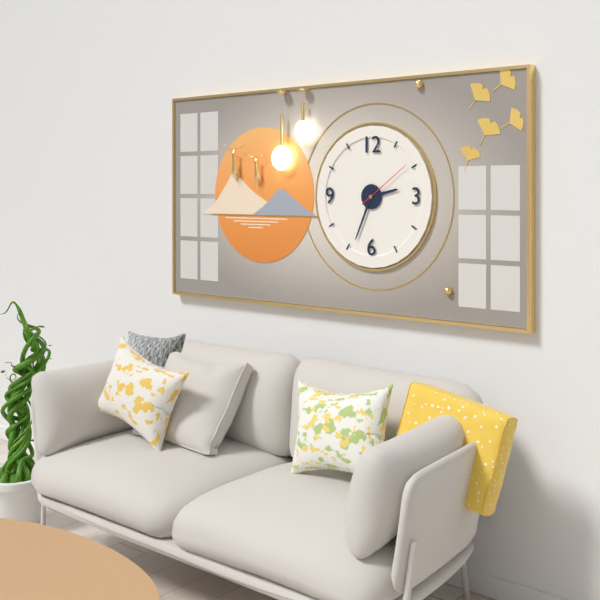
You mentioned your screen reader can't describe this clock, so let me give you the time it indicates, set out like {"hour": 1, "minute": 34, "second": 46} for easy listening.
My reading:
{"hour": 2, "minute": 34, "second": 9}
